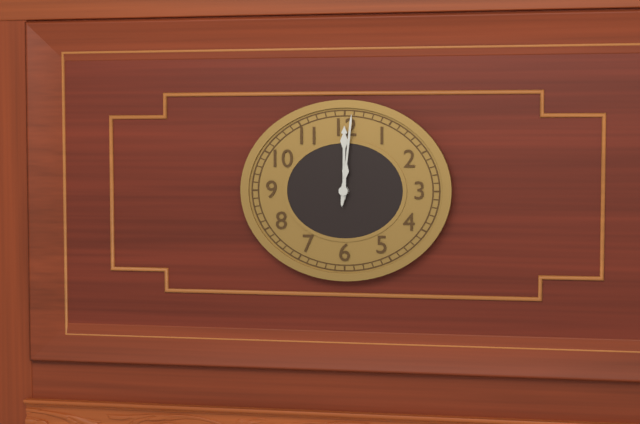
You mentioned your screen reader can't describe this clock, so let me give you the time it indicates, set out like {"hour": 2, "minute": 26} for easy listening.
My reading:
{"hour": 12, "minute": 1}
